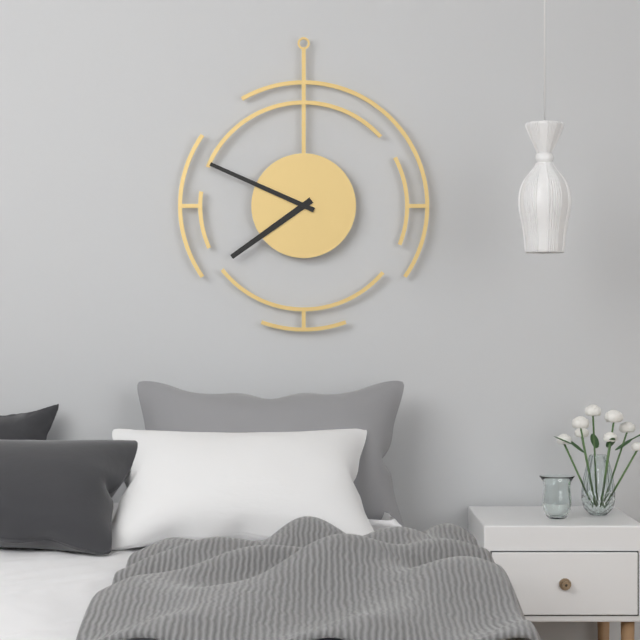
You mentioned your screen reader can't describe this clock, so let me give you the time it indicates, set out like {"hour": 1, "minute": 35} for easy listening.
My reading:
{"hour": 7, "minute": 49}
